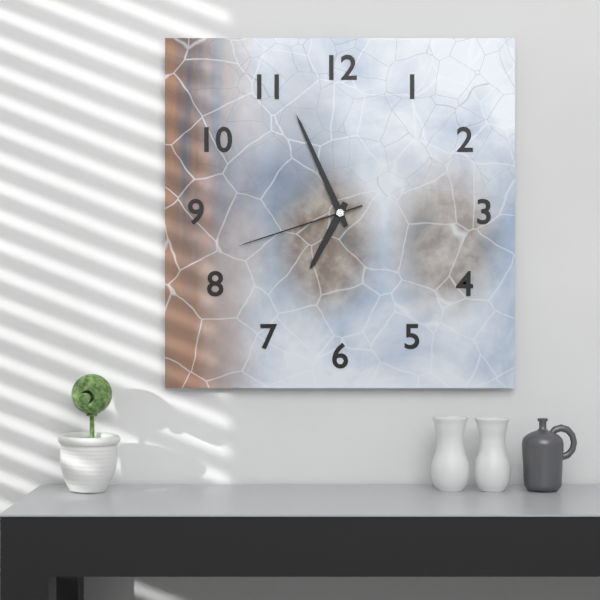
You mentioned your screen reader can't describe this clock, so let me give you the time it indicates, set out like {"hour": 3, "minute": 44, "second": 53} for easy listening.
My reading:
{"hour": 6, "minute": 56, "second": 42}
